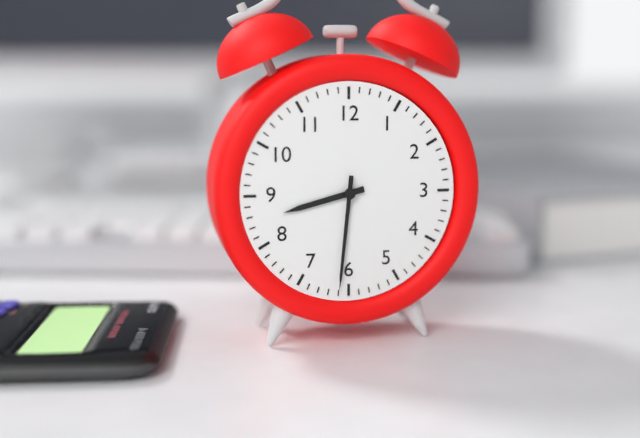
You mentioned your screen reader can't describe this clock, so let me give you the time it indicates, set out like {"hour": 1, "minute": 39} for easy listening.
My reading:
{"hour": 8, "minute": 31}
